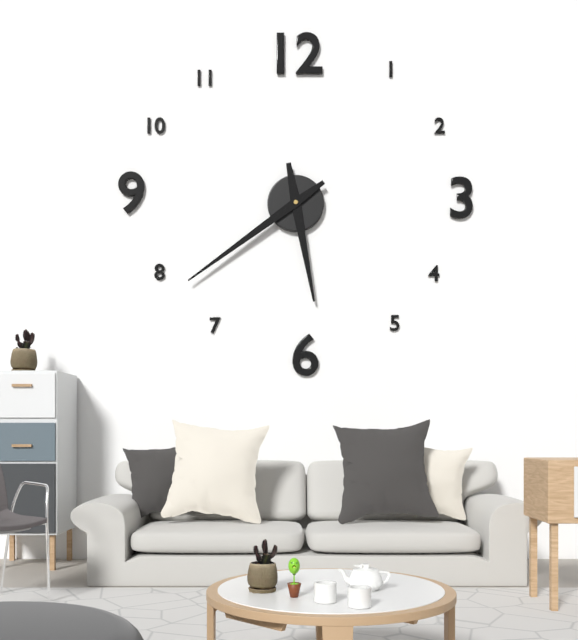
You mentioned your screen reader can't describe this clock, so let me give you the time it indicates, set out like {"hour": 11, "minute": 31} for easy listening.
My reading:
{"hour": 5, "minute": 39}
